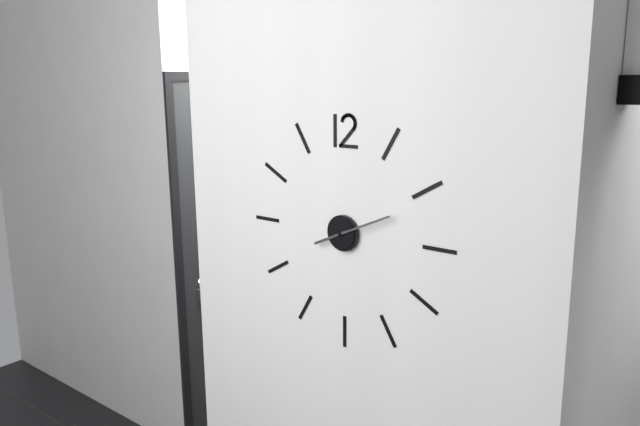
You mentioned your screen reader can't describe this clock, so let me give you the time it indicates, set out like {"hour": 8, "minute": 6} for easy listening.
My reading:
{"hour": 8, "minute": 11}
